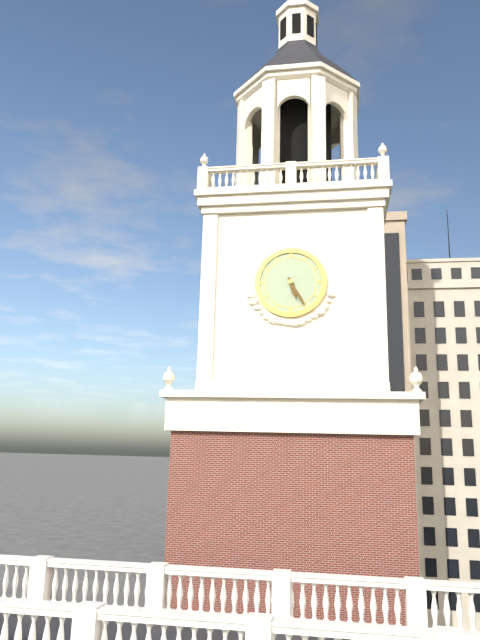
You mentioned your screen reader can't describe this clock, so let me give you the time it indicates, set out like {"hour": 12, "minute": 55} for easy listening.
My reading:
{"hour": 5, "minute": 25}
